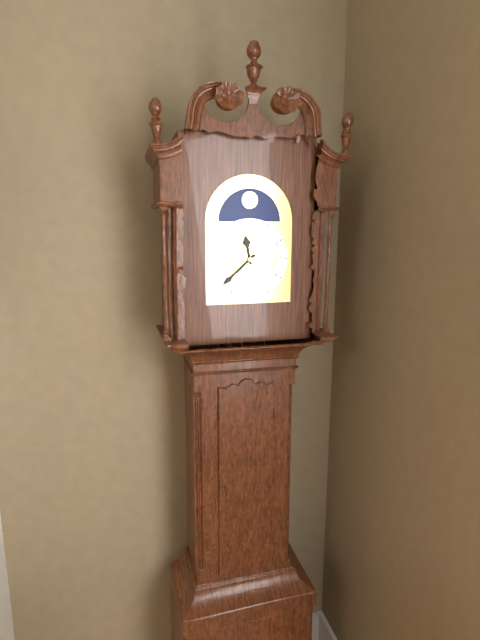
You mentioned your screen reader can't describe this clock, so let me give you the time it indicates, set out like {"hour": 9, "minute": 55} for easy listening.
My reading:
{"hour": 11, "minute": 38}
